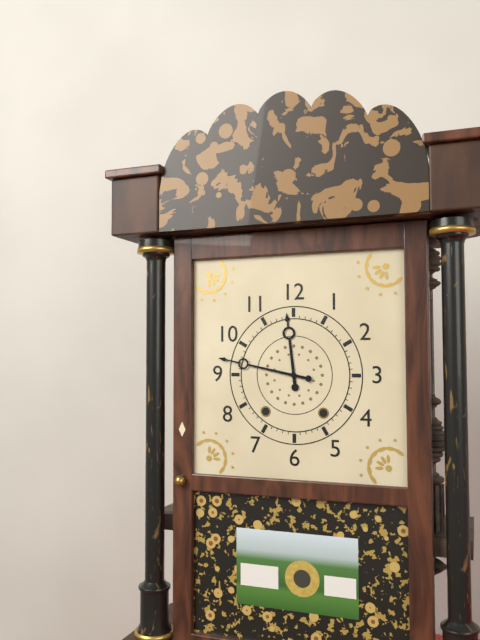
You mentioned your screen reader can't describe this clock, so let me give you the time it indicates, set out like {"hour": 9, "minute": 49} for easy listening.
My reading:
{"hour": 11, "minute": 47}
